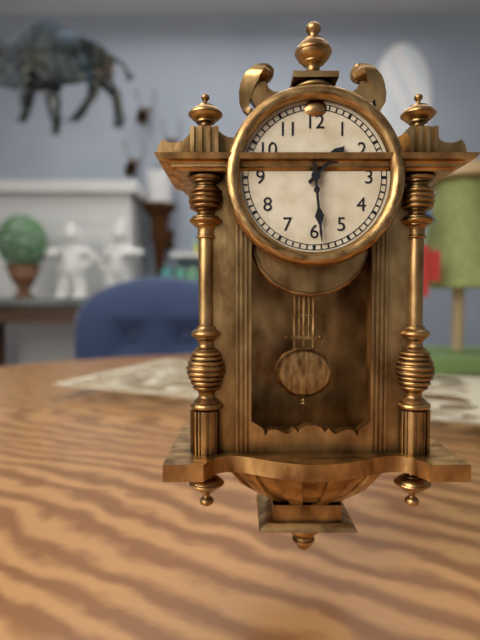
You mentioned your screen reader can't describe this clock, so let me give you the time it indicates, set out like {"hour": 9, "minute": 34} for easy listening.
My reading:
{"hour": 1, "minute": 29}
